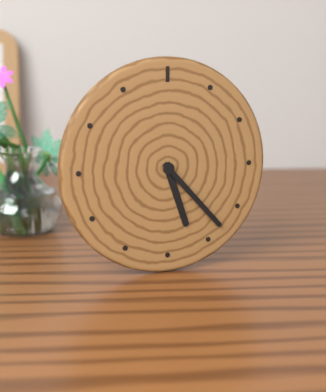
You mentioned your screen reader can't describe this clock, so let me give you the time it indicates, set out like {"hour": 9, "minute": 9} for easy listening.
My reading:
{"hour": 5, "minute": 23}
